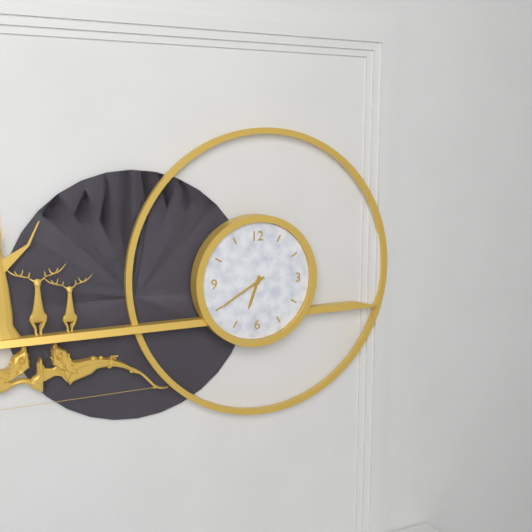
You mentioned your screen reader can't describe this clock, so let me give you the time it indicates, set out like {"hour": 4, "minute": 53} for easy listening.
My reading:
{"hour": 6, "minute": 40}
